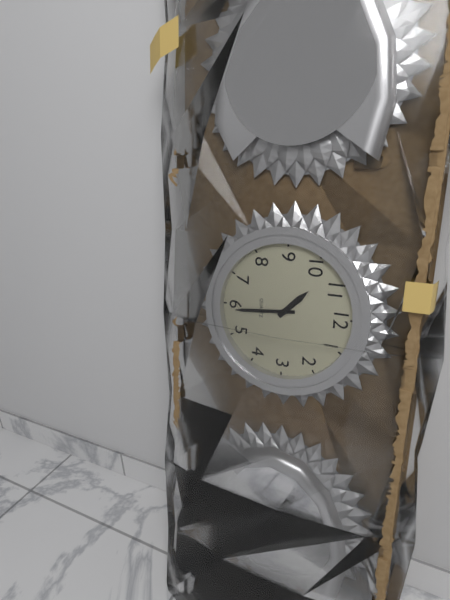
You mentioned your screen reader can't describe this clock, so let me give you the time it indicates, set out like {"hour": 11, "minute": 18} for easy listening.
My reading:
{"hour": 10, "minute": 29}
